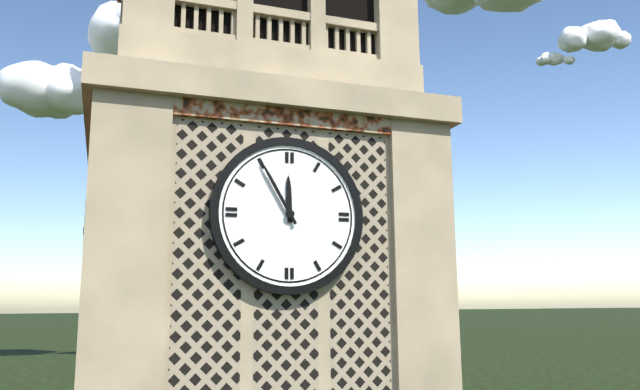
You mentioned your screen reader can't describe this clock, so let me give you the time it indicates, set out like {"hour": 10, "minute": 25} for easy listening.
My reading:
{"hour": 11, "minute": 55}
